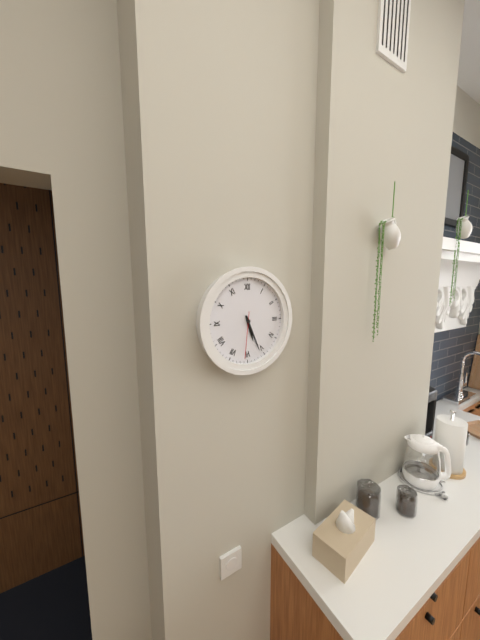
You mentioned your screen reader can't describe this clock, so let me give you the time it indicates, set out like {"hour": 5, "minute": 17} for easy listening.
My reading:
{"hour": 5, "minute": 26}
